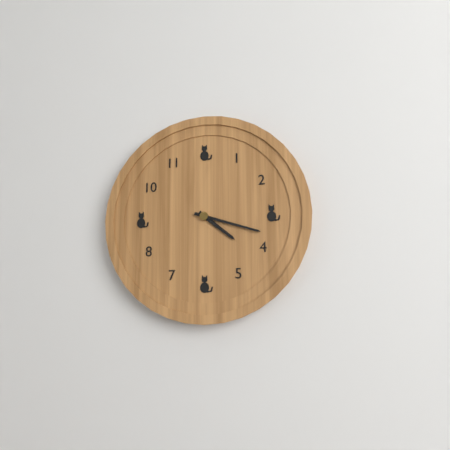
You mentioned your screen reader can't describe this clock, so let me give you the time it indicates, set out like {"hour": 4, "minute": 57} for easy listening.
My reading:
{"hour": 4, "minute": 18}
